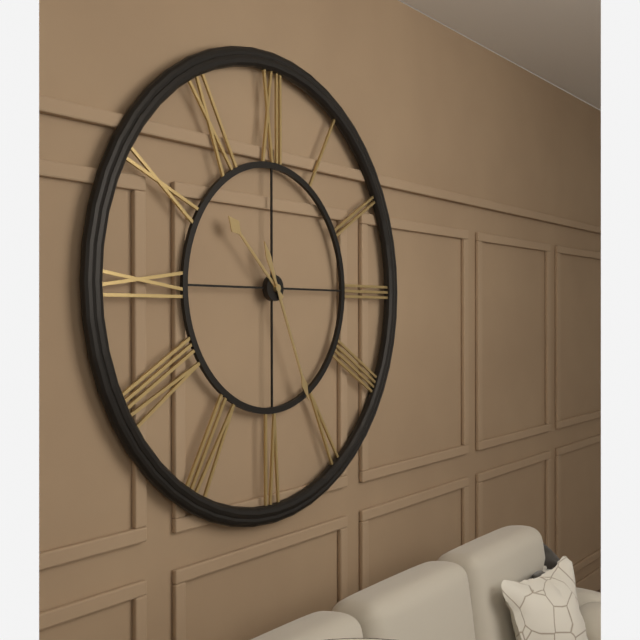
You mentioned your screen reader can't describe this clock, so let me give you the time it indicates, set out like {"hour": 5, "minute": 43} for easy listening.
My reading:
{"hour": 10, "minute": 26}
